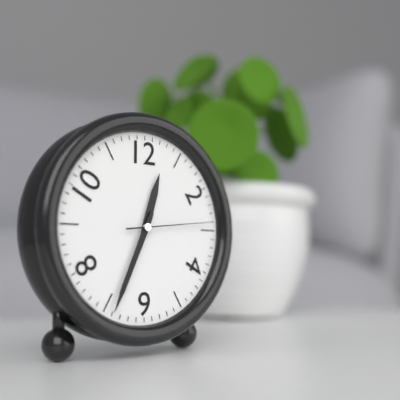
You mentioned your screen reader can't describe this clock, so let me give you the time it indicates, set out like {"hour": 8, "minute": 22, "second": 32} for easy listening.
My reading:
{"hour": 12, "minute": 34, "second": 14}
